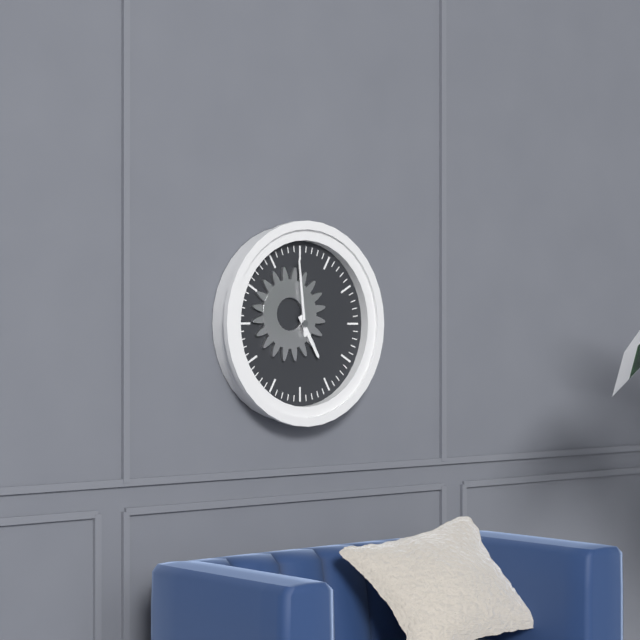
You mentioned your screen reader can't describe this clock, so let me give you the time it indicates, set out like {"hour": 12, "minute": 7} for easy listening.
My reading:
{"hour": 4, "minute": 59}
